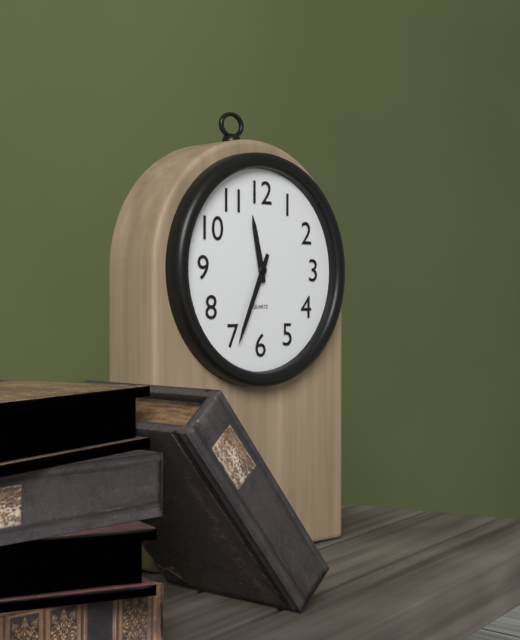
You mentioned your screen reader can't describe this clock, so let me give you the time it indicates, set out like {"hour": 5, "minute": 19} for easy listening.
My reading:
{"hour": 11, "minute": 34}
